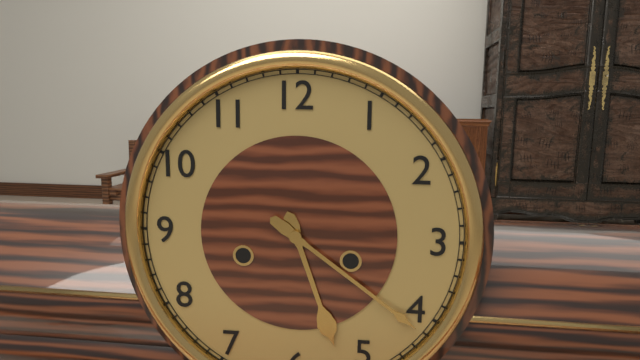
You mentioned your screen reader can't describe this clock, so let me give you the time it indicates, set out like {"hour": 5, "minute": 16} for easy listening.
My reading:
{"hour": 5, "minute": 21}
